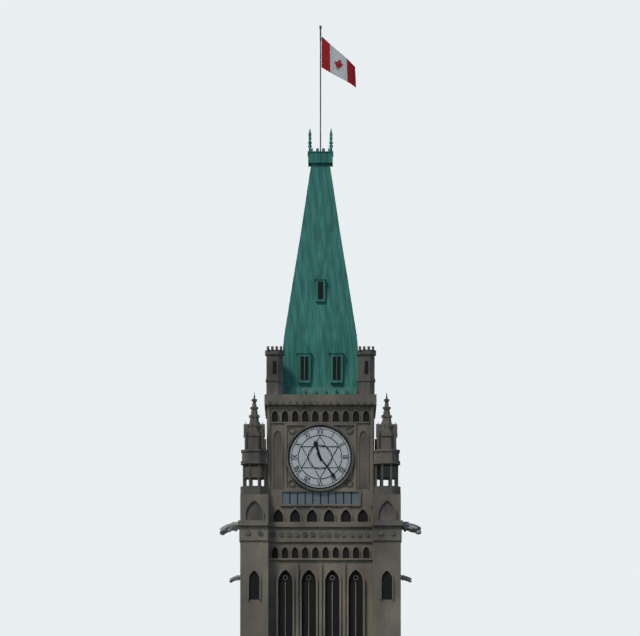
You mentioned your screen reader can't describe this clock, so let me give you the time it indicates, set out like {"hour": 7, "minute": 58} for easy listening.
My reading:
{"hour": 11, "minute": 24}
